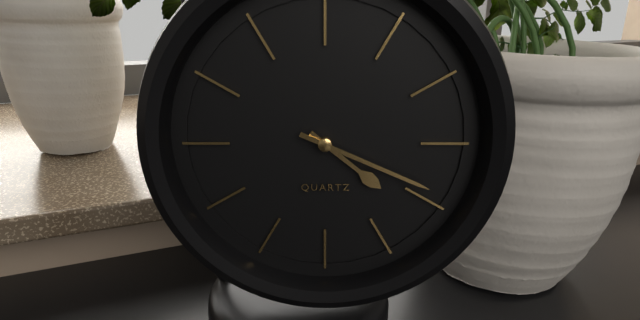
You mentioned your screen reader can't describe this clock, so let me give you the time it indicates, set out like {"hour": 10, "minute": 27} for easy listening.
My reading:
{"hour": 4, "minute": 19}
